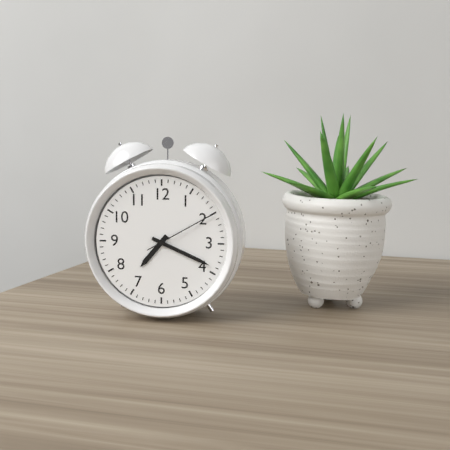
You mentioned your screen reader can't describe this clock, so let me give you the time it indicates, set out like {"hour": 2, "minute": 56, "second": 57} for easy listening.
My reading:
{"hour": 7, "minute": 19, "second": 10}
